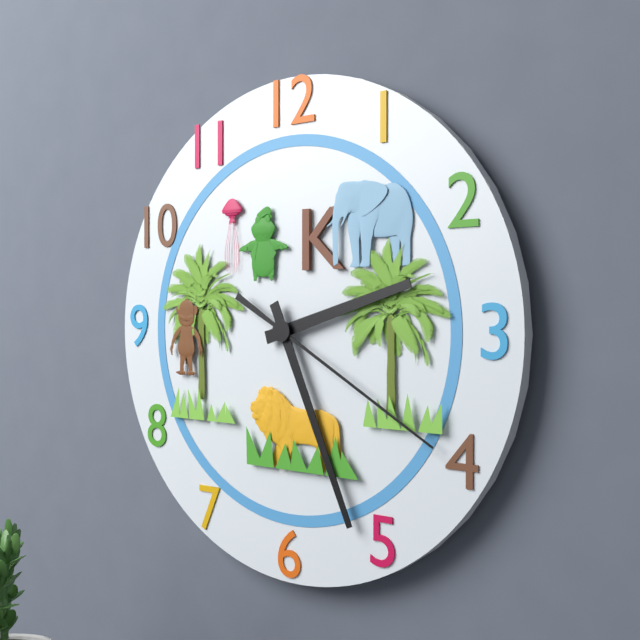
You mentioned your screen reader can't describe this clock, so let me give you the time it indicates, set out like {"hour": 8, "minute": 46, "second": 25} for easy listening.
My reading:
{"hour": 2, "minute": 26, "second": 20}
